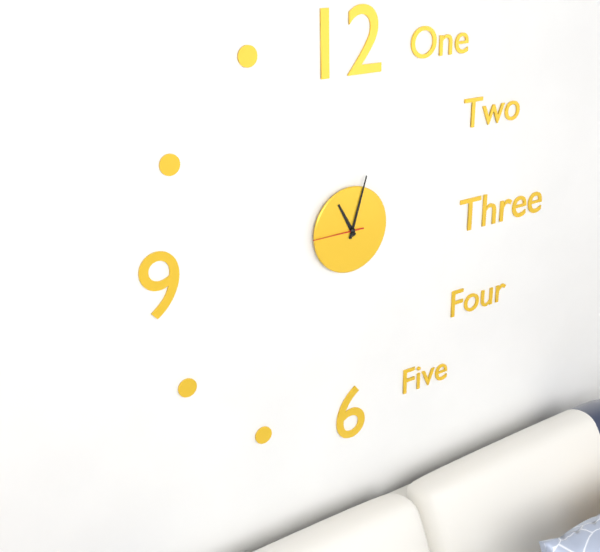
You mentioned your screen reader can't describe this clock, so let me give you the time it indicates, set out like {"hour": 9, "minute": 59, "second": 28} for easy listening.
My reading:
{"hour": 11, "minute": 3, "second": 45}
